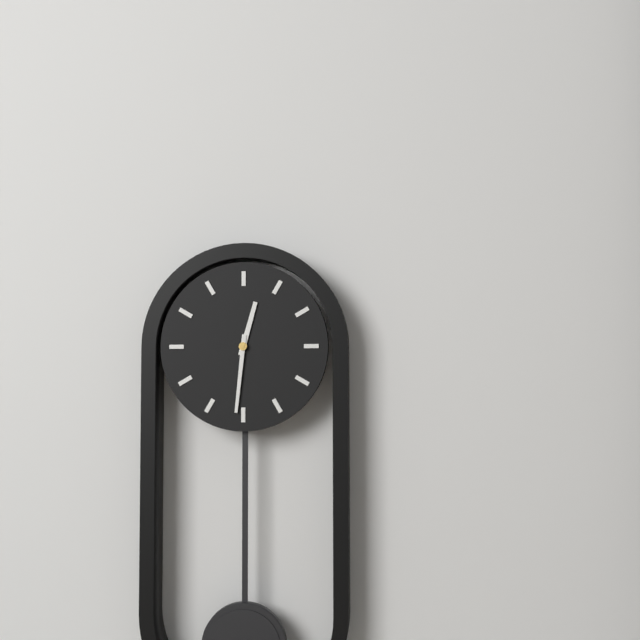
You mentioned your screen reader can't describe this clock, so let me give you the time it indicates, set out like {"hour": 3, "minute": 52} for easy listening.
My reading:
{"hour": 12, "minute": 31}
